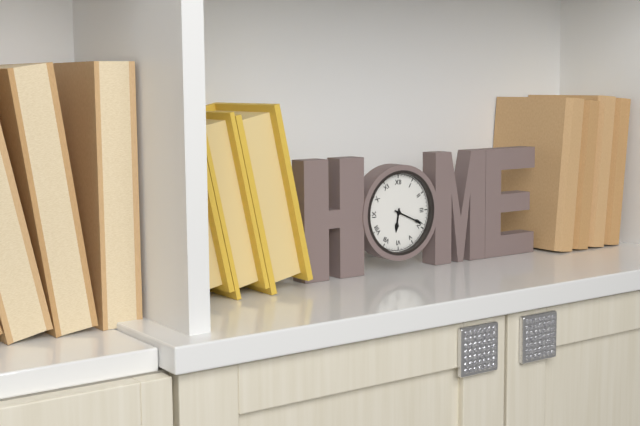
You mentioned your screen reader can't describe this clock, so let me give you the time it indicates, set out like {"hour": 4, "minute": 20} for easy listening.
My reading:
{"hour": 6, "minute": 19}
